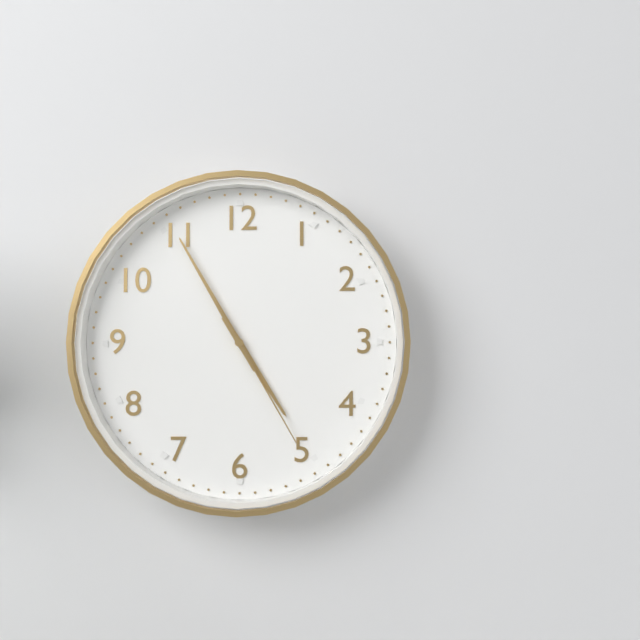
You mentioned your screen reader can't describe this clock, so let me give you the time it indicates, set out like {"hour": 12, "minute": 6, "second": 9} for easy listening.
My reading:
{"hour": 4, "minute": 55, "second": 25}
